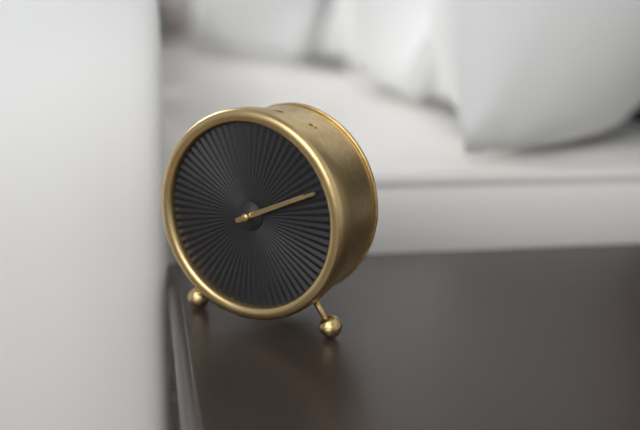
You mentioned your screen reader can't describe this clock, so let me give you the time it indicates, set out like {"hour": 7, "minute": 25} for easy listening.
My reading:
{"hour": 2, "minute": 11}
